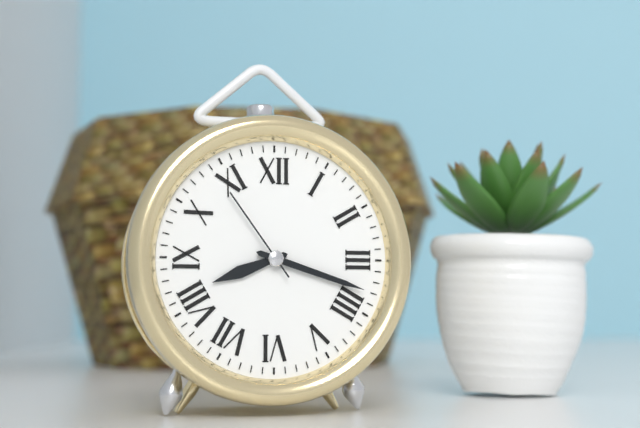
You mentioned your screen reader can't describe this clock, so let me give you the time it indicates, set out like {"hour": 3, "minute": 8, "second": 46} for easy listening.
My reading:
{"hour": 8, "minute": 18, "second": 54}
